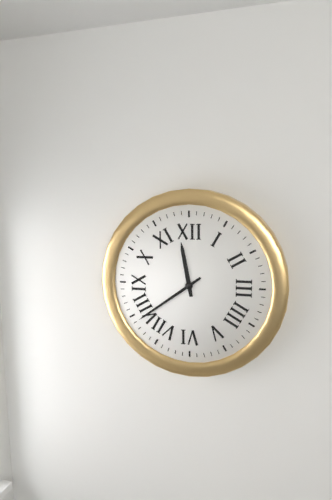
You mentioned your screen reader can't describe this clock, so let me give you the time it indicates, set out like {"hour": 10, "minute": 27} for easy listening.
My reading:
{"hour": 11, "minute": 39}
